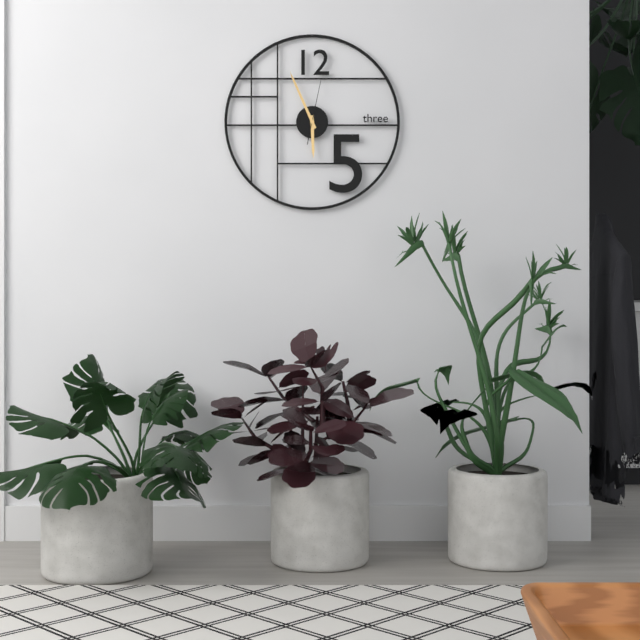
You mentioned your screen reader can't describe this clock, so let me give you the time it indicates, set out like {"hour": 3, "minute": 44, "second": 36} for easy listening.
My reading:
{"hour": 5, "minute": 56, "second": 2}
